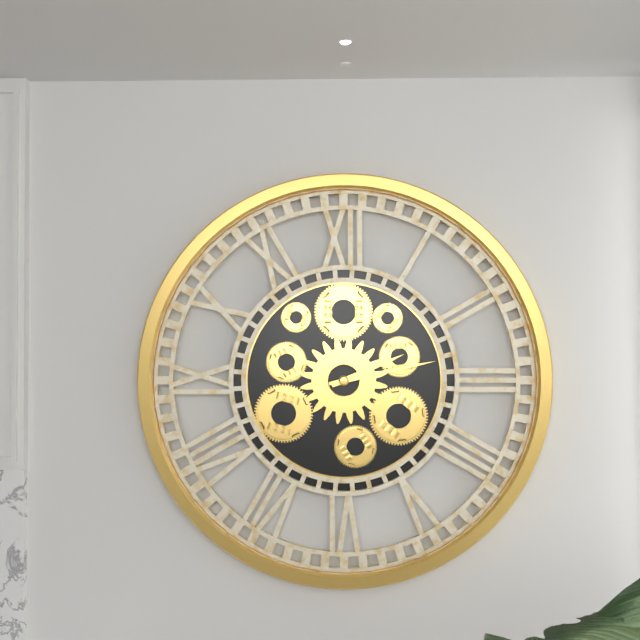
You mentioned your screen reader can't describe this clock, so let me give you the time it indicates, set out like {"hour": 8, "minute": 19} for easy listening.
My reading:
{"hour": 2, "minute": 13}
